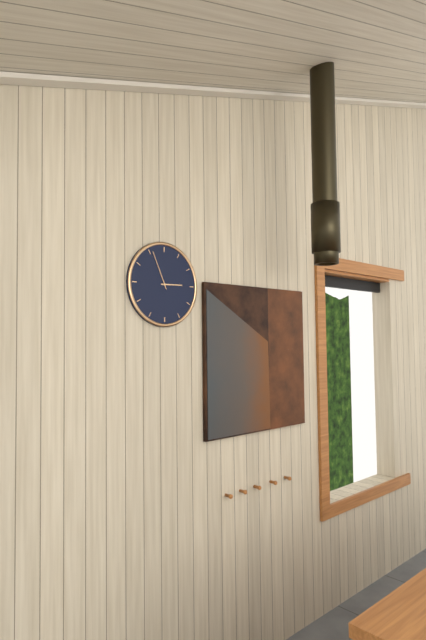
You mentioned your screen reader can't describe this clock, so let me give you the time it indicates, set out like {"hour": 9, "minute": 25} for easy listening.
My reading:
{"hour": 2, "minute": 56}
